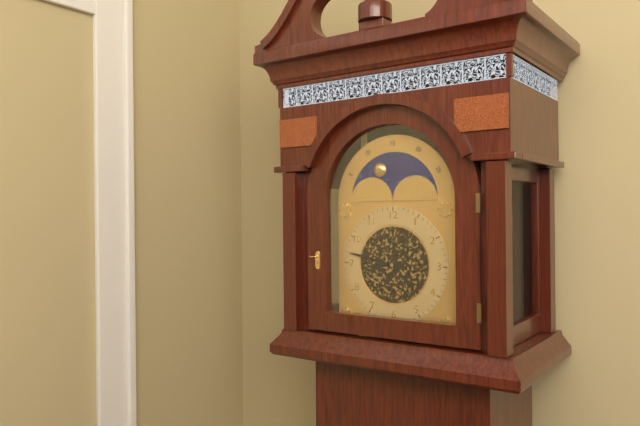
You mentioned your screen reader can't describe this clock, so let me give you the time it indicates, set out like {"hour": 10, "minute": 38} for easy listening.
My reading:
{"hour": 8, "minute": 47}
